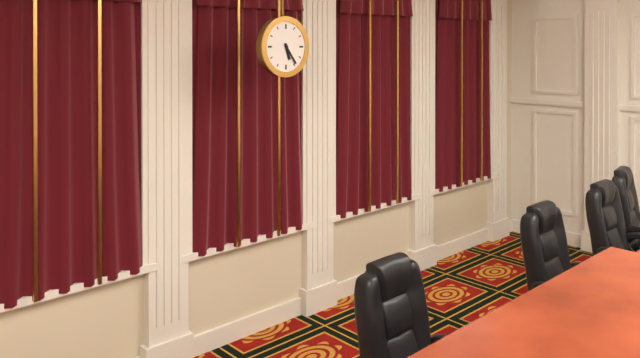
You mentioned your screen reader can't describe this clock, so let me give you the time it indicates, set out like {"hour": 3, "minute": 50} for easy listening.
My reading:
{"hour": 5, "minute": 24}
